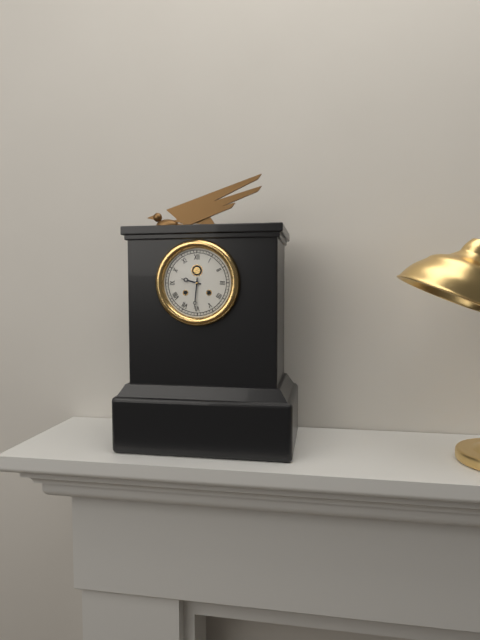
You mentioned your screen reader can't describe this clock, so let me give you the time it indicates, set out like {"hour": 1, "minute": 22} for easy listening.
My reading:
{"hour": 9, "minute": 31}
